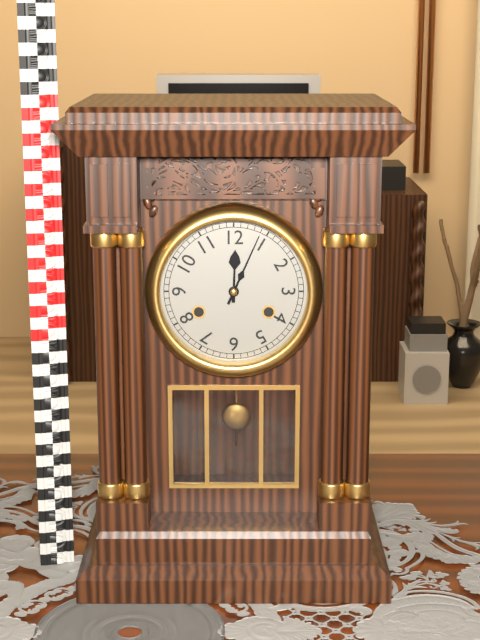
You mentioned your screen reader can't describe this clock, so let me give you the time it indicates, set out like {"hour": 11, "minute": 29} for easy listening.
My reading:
{"hour": 12, "minute": 4}
